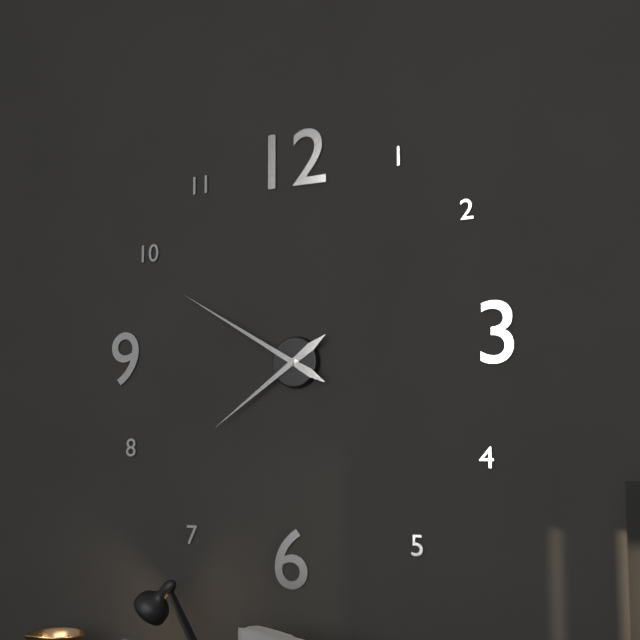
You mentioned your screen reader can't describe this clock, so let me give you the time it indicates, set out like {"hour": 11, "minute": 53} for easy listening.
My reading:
{"hour": 7, "minute": 50}
